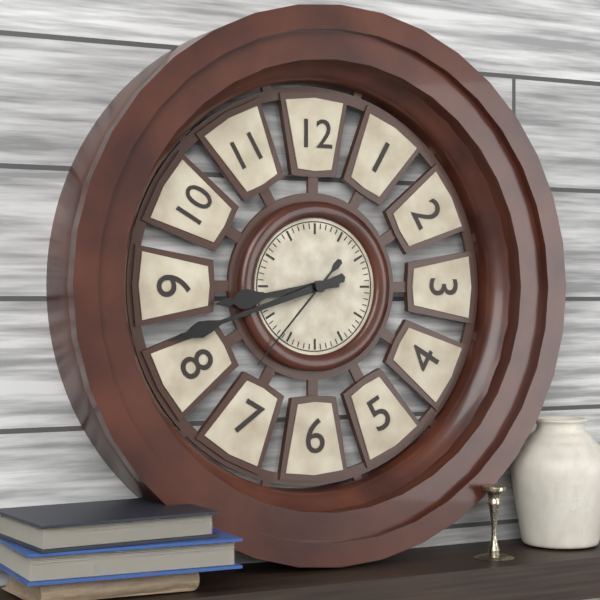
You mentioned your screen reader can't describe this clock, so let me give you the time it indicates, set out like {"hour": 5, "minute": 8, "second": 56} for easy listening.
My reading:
{"hour": 8, "minute": 42, "second": 37}
